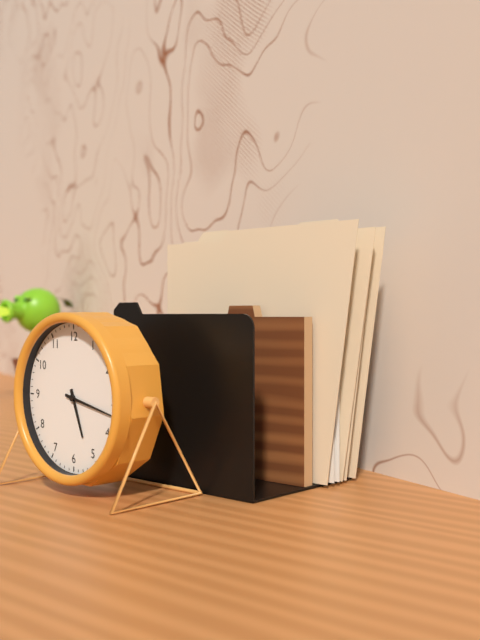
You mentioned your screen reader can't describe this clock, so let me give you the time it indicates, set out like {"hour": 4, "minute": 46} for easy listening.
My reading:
{"hour": 5, "minute": 17}
